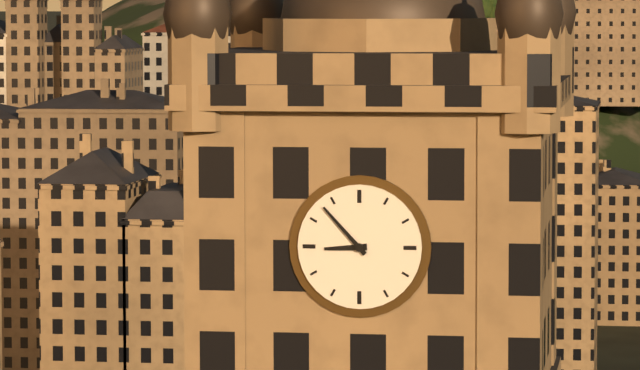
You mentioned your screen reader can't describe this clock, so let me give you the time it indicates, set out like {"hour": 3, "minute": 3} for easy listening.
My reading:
{"hour": 8, "minute": 53}
